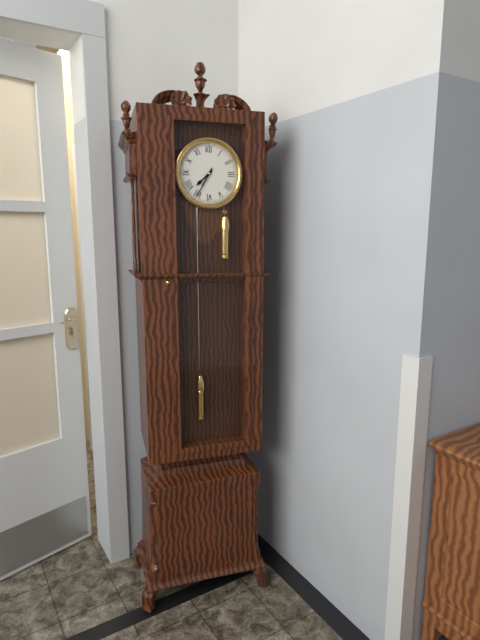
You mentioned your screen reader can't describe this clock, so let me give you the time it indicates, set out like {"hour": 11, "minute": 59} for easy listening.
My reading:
{"hour": 7, "minute": 35}
